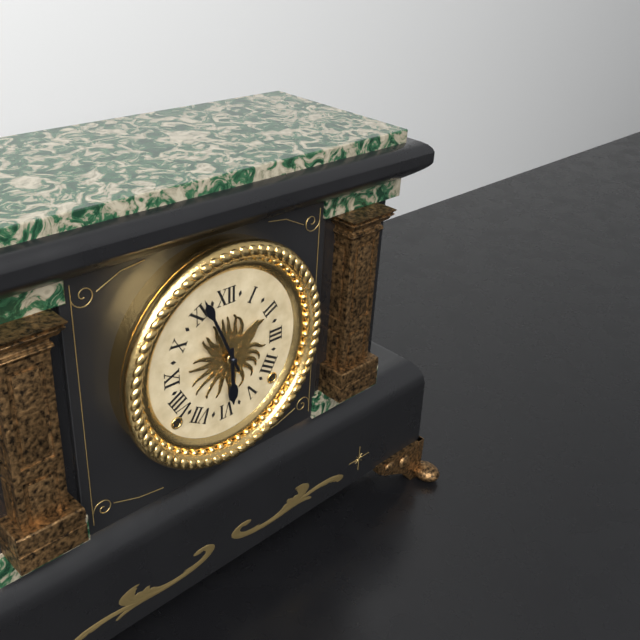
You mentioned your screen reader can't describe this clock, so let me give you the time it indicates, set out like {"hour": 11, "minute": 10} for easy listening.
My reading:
{"hour": 5, "minute": 56}
